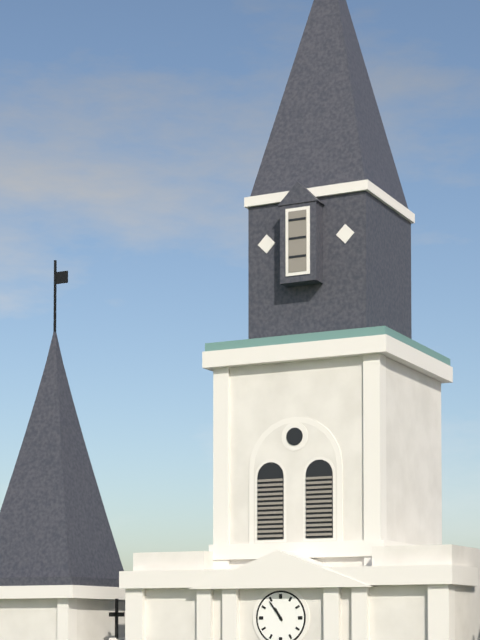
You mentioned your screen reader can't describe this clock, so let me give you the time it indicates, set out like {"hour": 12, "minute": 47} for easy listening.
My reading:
{"hour": 10, "minute": 54}
